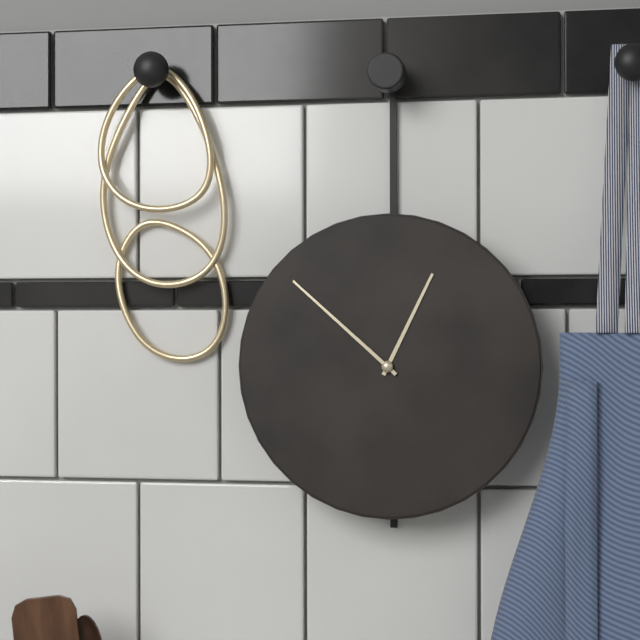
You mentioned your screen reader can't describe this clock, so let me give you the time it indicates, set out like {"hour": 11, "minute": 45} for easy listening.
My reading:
{"hour": 12, "minute": 52}
